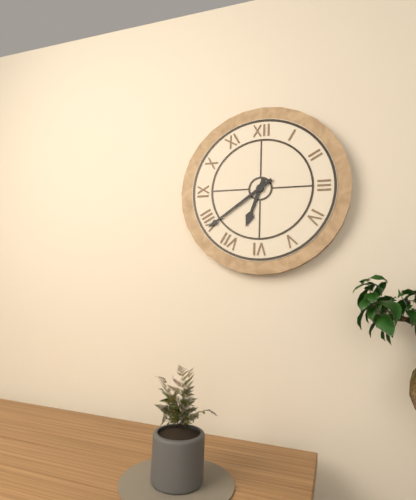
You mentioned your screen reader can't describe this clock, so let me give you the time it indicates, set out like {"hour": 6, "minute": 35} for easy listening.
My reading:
{"hour": 6, "minute": 39}
